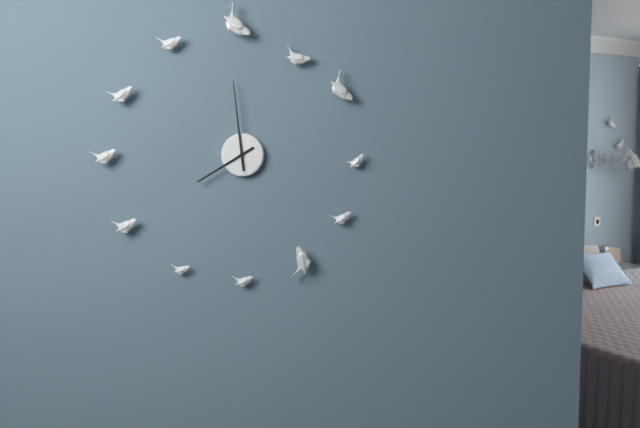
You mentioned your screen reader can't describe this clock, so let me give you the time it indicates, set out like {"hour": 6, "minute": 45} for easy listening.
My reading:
{"hour": 7, "minute": 59}
